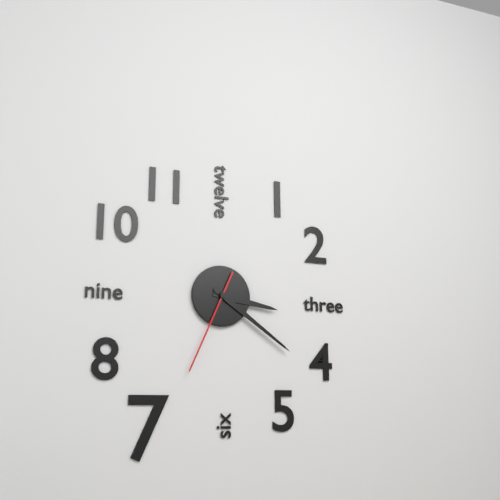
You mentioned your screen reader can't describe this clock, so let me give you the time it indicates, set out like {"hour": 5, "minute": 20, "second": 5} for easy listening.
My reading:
{"hour": 3, "minute": 21, "second": 34}
